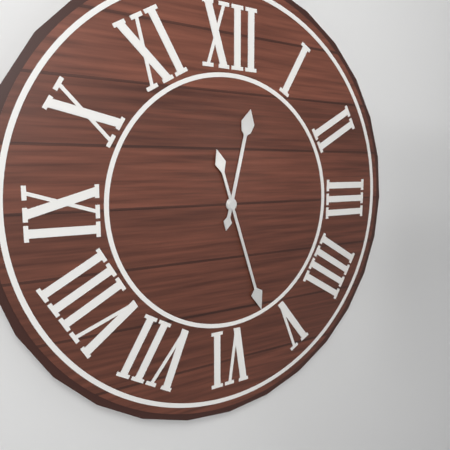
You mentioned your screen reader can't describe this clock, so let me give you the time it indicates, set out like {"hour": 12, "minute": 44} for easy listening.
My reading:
{"hour": 12, "minute": 27}
